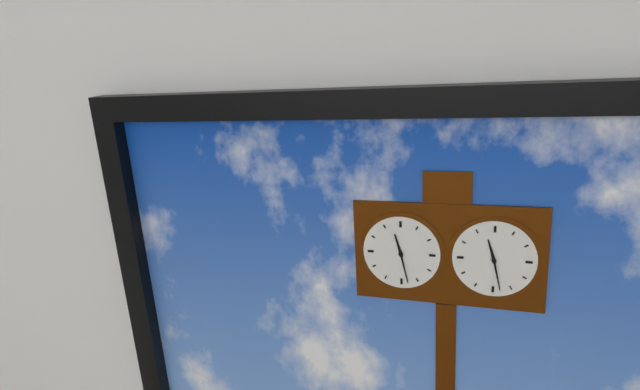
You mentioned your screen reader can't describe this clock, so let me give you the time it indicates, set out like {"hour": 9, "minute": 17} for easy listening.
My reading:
{"hour": 11, "minute": 28}
